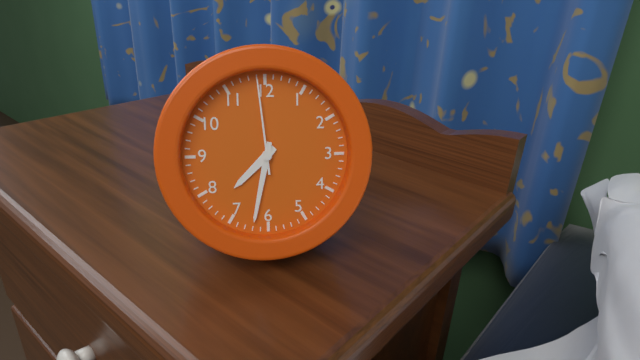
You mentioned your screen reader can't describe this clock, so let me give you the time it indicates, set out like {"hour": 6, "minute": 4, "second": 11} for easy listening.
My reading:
{"hour": 7, "minute": 32, "second": 59}
